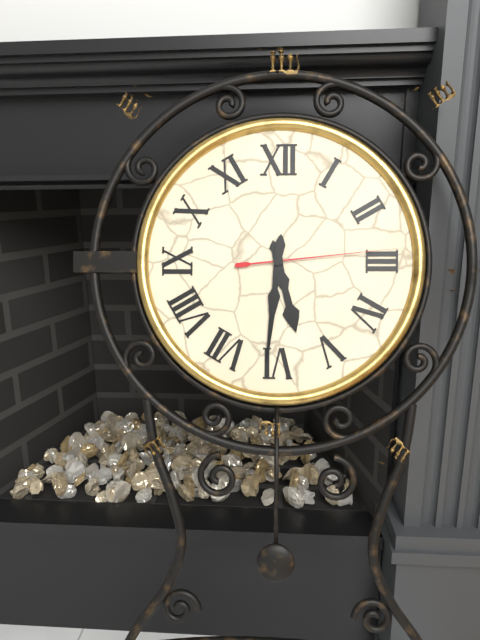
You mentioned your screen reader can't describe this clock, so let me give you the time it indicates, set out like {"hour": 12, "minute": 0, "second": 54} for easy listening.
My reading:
{"hour": 5, "minute": 31, "second": 14}
